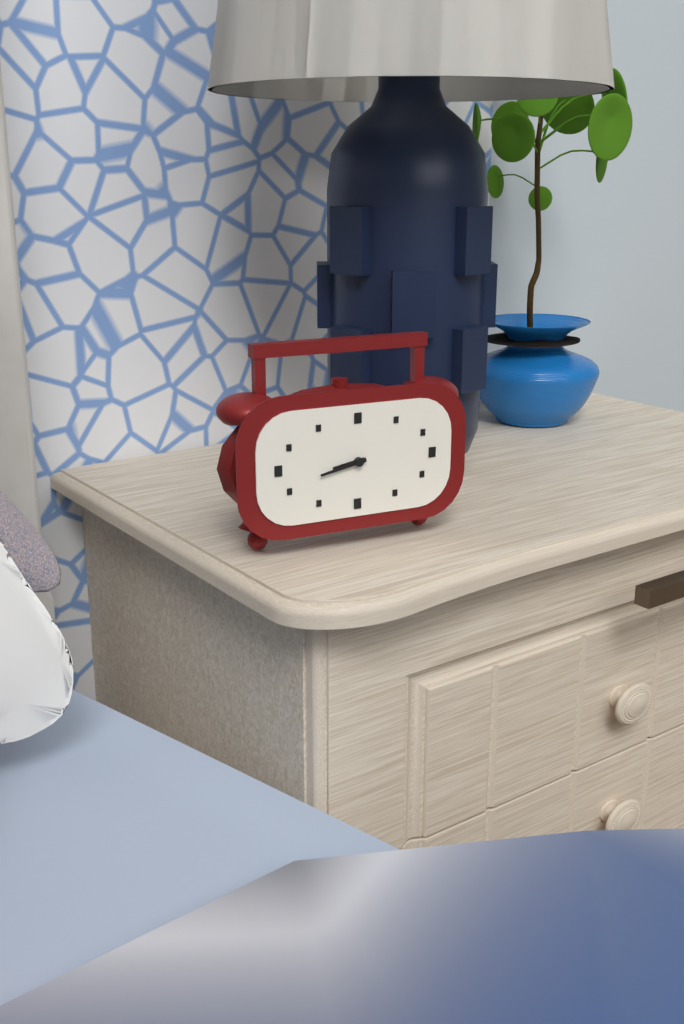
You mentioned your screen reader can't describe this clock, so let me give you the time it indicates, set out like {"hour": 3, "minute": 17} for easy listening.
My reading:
{"hour": 8, "minute": 43}
